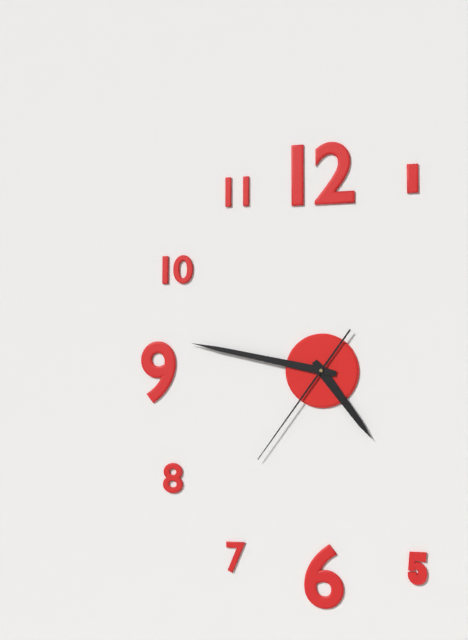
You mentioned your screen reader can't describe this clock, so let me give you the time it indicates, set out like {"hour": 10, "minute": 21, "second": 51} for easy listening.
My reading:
{"hour": 4, "minute": 47, "second": 36}
